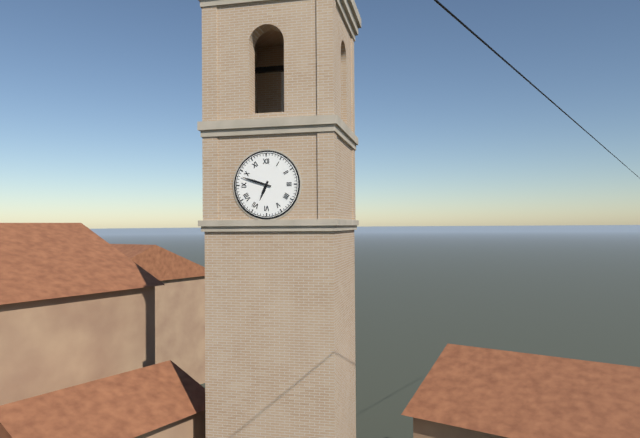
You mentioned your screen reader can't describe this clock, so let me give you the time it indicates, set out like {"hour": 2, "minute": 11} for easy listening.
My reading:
{"hour": 6, "minute": 48}
